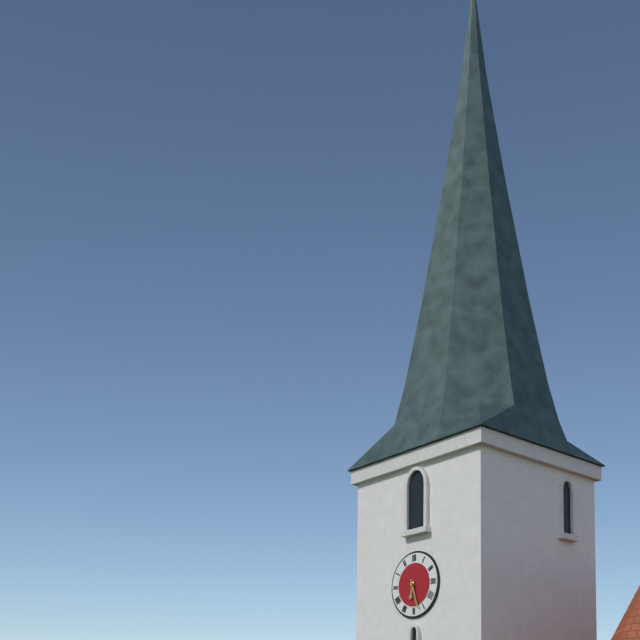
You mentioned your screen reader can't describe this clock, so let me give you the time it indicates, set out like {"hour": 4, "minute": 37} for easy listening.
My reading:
{"hour": 6, "minute": 27}
